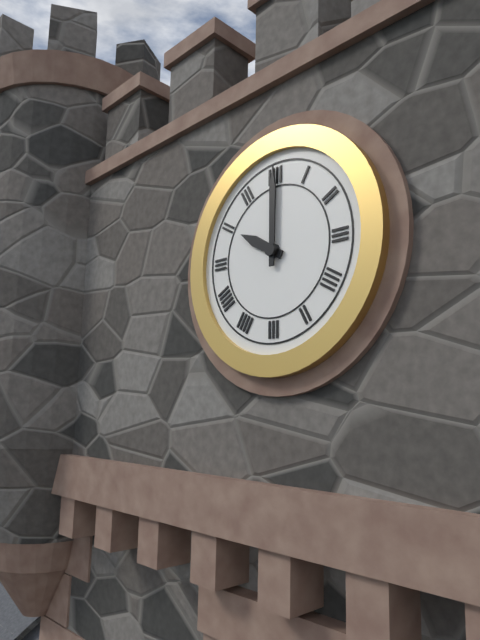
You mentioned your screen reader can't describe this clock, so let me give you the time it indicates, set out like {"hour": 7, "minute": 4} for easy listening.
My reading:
{"hour": 10, "minute": 0}
